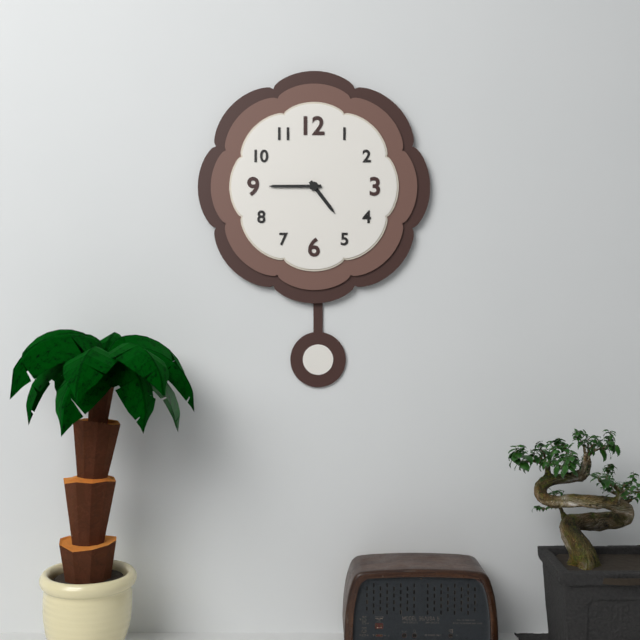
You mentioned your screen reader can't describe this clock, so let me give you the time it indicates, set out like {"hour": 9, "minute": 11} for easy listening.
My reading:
{"hour": 4, "minute": 45}
